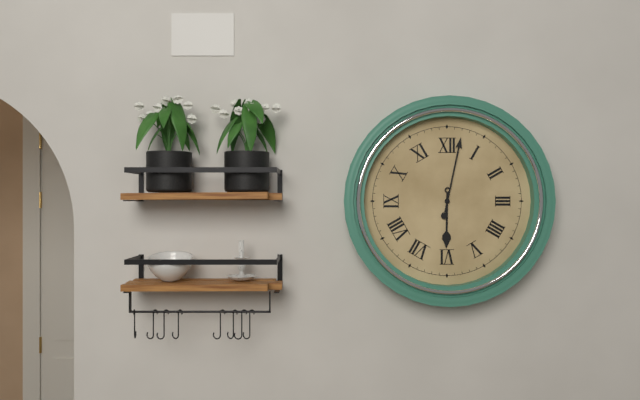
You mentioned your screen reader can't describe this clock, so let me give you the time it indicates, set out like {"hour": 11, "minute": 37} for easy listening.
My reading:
{"hour": 6, "minute": 2}
